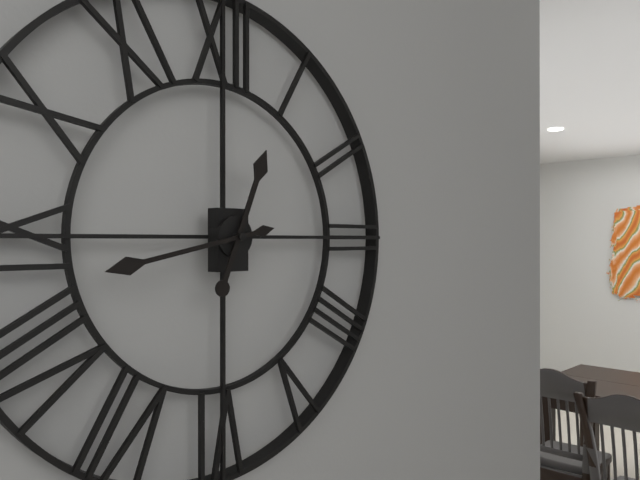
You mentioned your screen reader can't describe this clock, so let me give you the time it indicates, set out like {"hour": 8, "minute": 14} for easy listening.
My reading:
{"hour": 12, "minute": 43}
